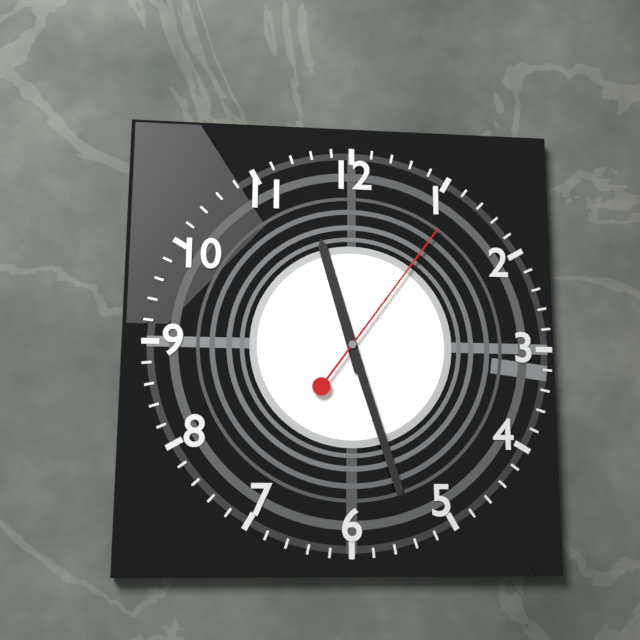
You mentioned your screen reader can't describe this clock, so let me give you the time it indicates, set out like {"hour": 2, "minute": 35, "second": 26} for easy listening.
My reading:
{"hour": 11, "minute": 27, "second": 6}
